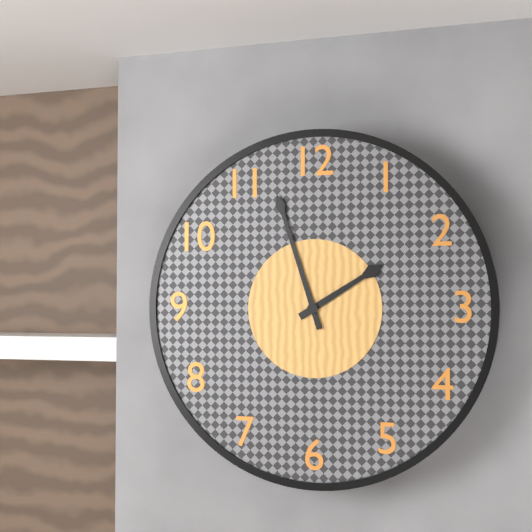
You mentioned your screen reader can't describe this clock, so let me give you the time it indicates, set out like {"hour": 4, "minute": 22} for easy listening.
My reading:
{"hour": 1, "minute": 57}
